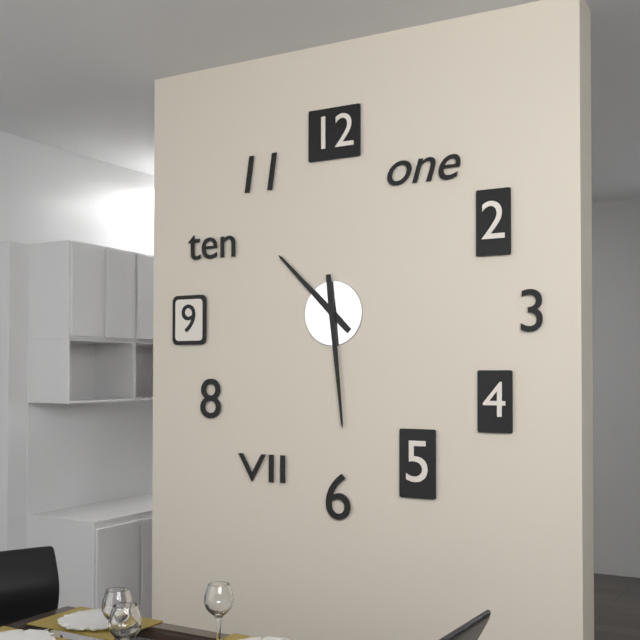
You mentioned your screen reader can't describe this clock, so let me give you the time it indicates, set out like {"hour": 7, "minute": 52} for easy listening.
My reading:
{"hour": 10, "minute": 29}
